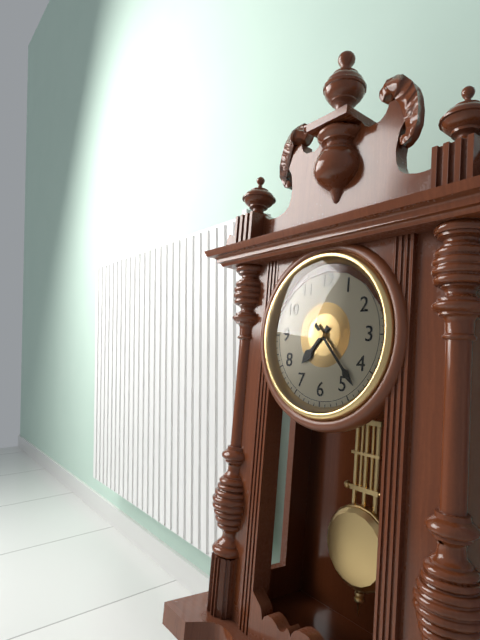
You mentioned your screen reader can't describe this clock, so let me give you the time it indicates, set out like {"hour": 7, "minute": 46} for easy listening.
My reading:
{"hour": 7, "minute": 23}
